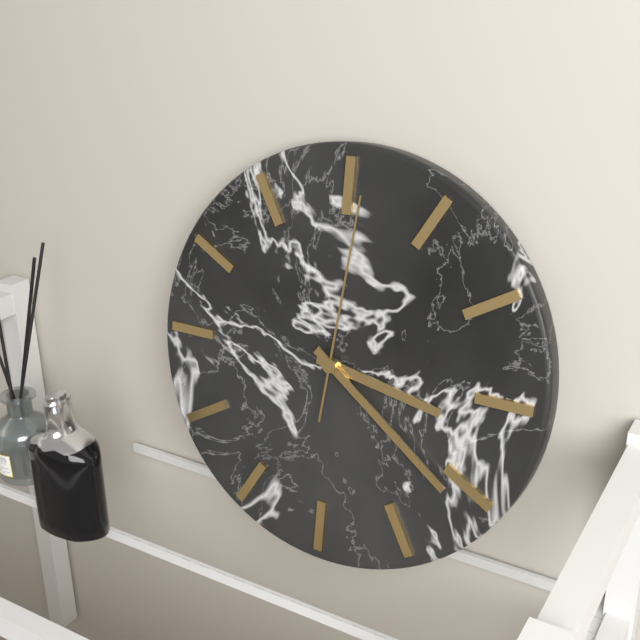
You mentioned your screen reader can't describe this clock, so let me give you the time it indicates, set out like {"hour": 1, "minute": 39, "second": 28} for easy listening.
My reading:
{"hour": 3, "minute": 21, "second": 1}
